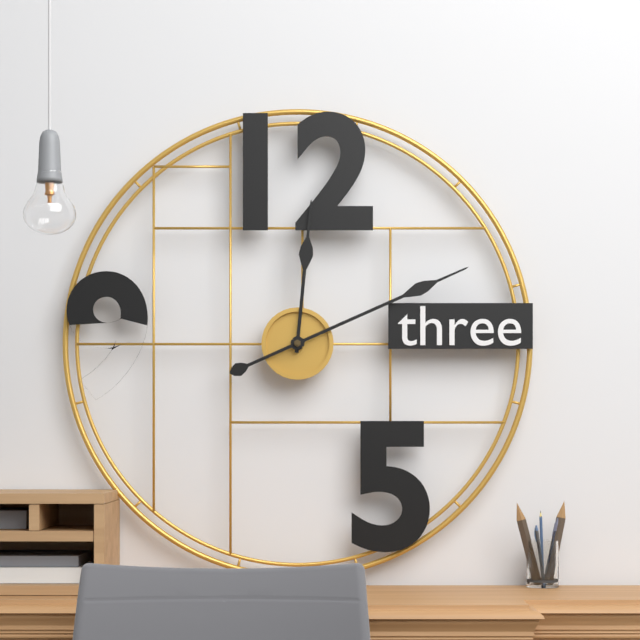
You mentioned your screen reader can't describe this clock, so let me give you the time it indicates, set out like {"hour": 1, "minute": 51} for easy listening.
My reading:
{"hour": 12, "minute": 11}
